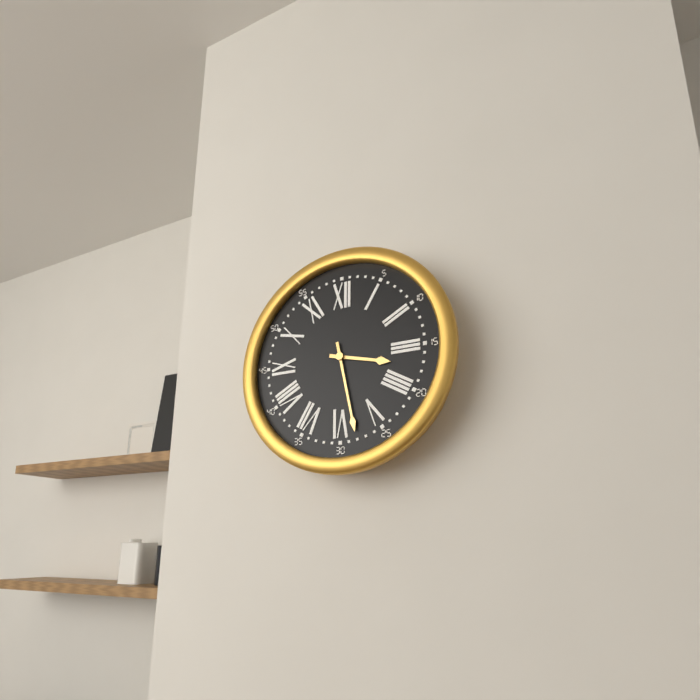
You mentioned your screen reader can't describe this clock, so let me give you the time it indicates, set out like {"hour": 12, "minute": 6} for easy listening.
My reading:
{"hour": 3, "minute": 28}
